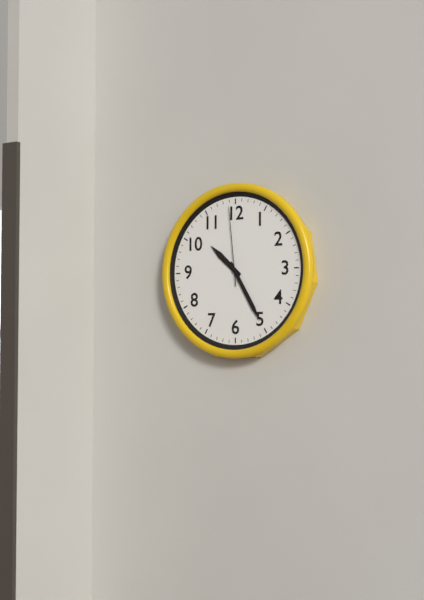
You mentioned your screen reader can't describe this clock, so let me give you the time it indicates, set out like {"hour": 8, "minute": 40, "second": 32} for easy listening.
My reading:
{"hour": 10, "minute": 25, "second": 59}
